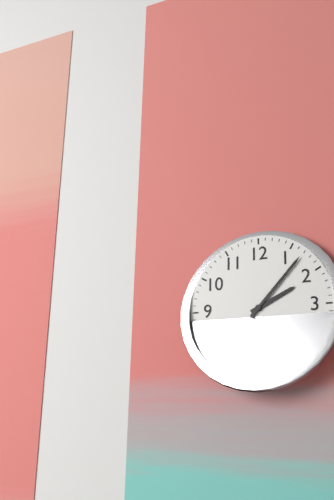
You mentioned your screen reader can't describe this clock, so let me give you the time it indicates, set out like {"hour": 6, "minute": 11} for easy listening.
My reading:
{"hour": 2, "minute": 7}
